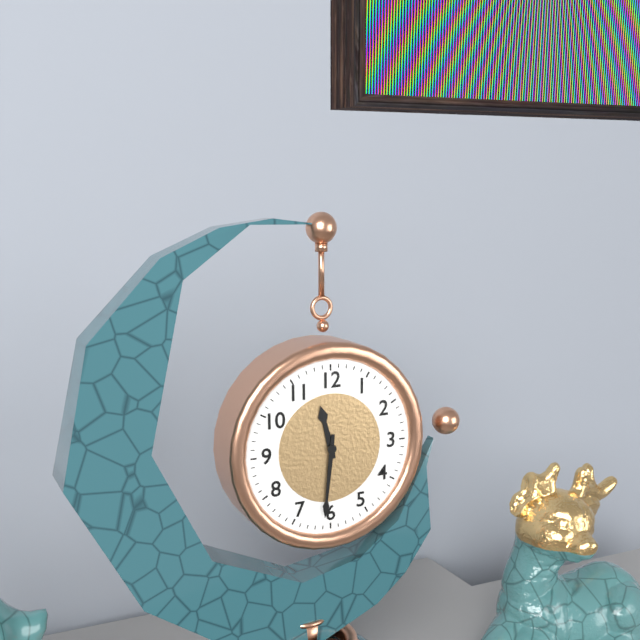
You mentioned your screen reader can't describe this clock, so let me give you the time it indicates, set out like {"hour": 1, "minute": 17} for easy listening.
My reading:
{"hour": 11, "minute": 31}
